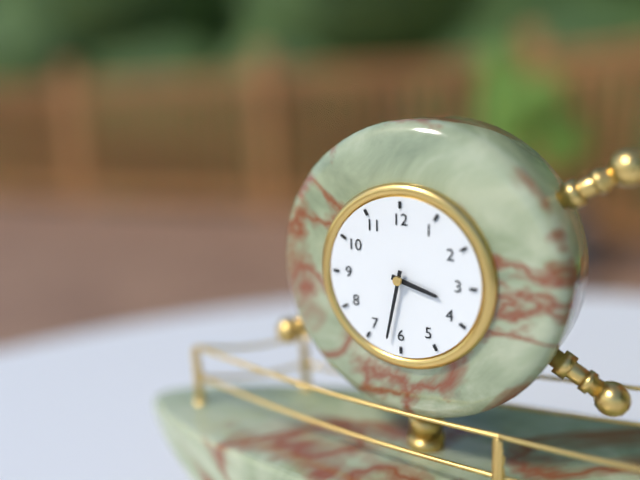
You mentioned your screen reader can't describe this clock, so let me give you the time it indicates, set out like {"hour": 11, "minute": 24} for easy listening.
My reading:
{"hour": 3, "minute": 32}
